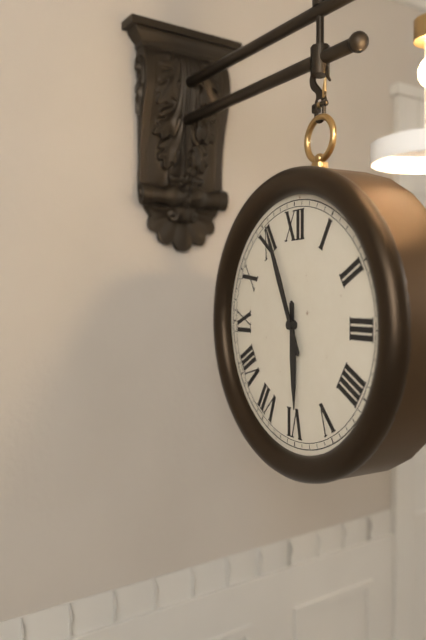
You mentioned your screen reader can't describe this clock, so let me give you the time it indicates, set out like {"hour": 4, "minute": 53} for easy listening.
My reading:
{"hour": 5, "minute": 56}
